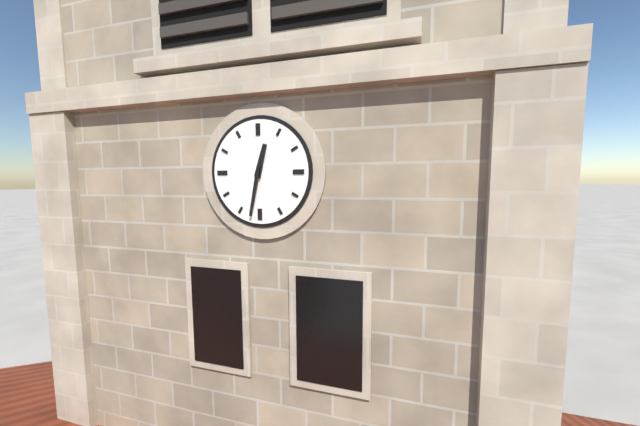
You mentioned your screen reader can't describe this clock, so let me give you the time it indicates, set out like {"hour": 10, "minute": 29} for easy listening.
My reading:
{"hour": 12, "minute": 32}
